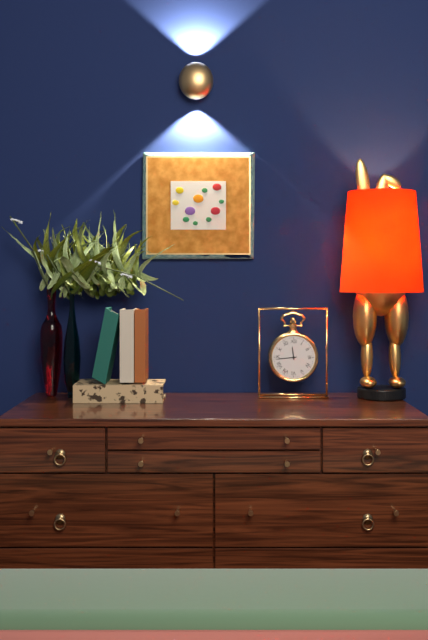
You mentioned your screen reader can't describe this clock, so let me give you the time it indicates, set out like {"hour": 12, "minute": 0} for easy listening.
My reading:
{"hour": 11, "minute": 44}
